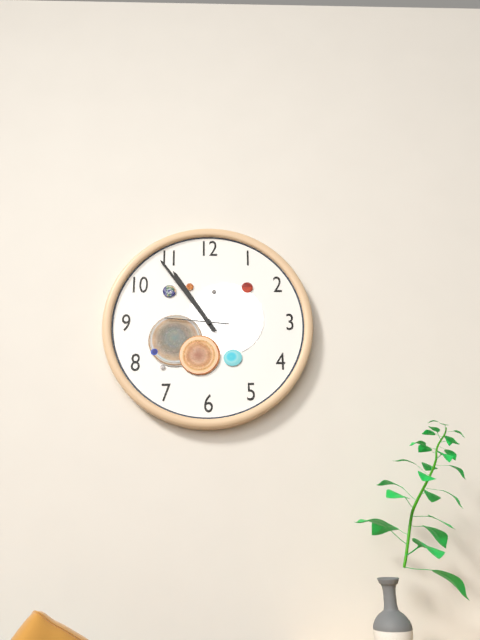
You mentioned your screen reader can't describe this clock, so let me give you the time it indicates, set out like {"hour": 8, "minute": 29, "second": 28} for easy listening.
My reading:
{"hour": 10, "minute": 54, "second": 46}
